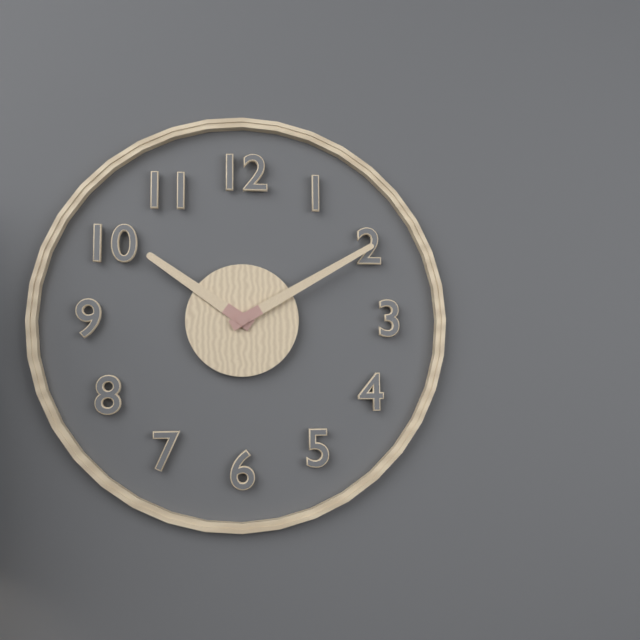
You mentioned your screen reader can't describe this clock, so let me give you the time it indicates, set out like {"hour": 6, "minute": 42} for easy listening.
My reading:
{"hour": 10, "minute": 10}
